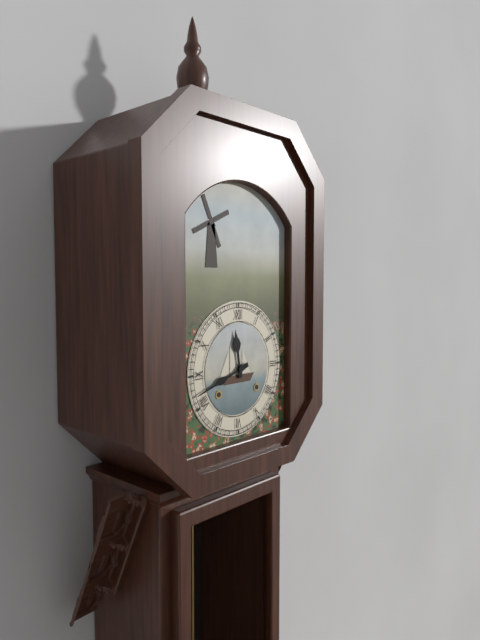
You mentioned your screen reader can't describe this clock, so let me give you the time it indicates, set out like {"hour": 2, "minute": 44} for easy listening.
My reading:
{"hour": 11, "minute": 42}
